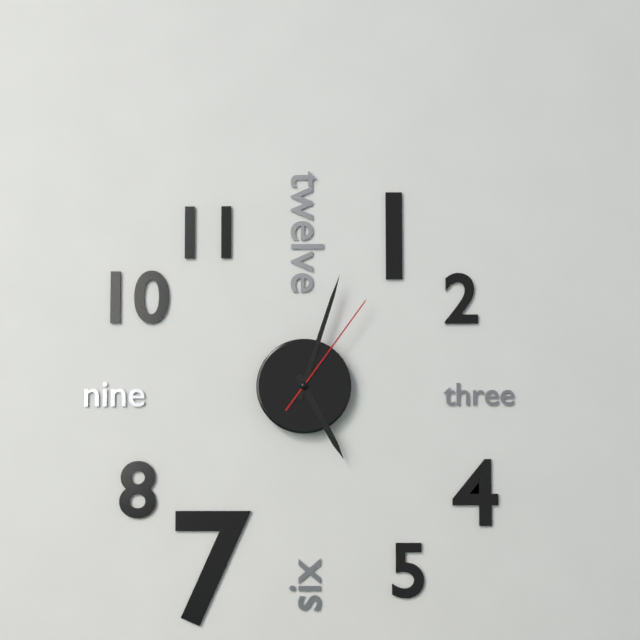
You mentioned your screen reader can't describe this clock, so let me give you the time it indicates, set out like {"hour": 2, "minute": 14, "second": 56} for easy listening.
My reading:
{"hour": 5, "minute": 3, "second": 6}
